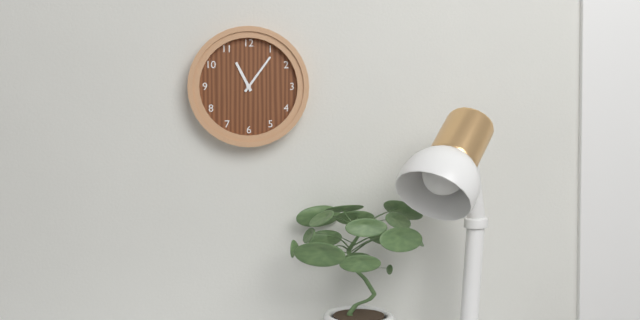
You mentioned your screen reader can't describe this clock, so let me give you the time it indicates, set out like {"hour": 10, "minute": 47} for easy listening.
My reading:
{"hour": 11, "minute": 6}
